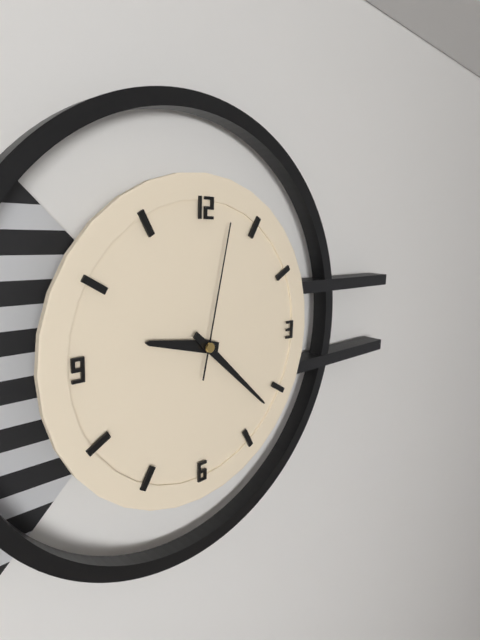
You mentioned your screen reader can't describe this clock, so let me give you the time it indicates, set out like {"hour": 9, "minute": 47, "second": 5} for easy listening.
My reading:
{"hour": 9, "minute": 22, "second": 2}
